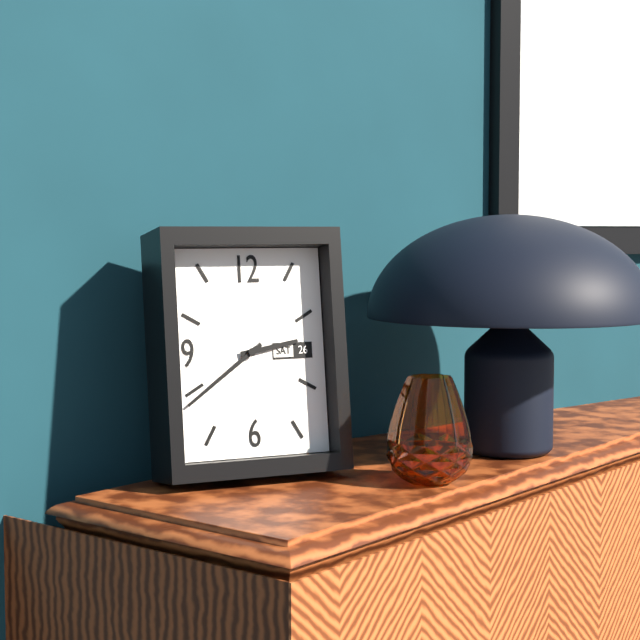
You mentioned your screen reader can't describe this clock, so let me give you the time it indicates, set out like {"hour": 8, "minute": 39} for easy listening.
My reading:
{"hour": 2, "minute": 39}
